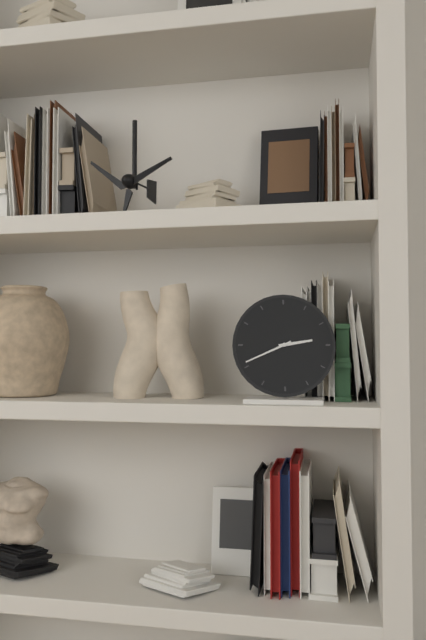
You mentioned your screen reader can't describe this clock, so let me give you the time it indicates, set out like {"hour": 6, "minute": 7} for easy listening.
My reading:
{"hour": 2, "minute": 41}
